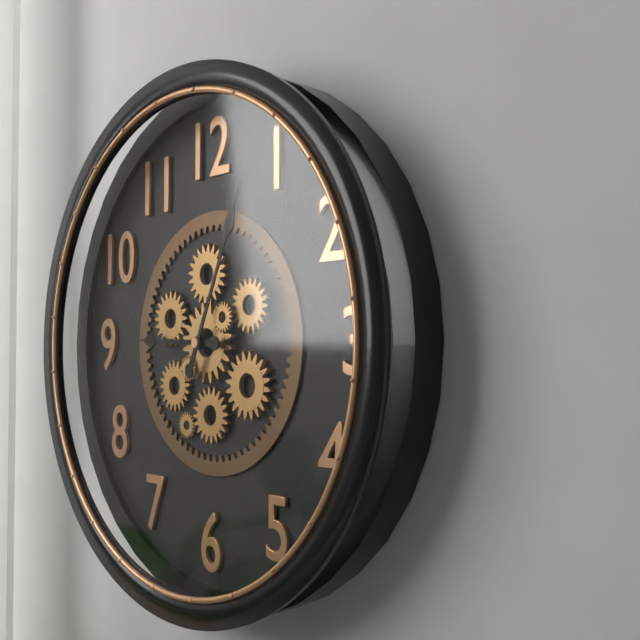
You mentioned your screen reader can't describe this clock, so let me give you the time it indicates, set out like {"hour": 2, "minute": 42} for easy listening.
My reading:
{"hour": 9, "minute": 4}
